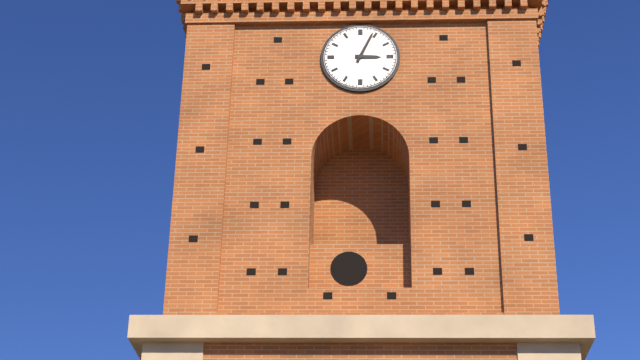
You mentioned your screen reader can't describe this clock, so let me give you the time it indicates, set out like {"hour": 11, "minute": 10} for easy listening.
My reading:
{"hour": 3, "minute": 4}
